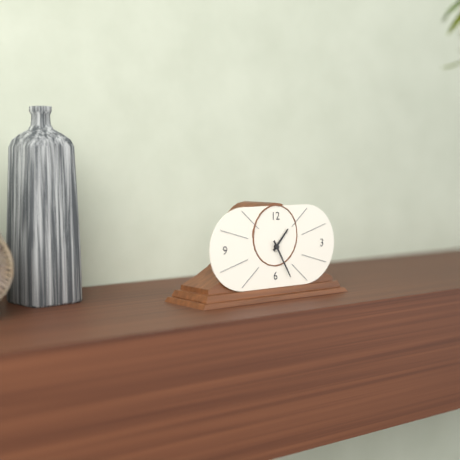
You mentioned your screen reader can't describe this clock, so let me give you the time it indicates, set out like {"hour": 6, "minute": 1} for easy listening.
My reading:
{"hour": 1, "minute": 25}
